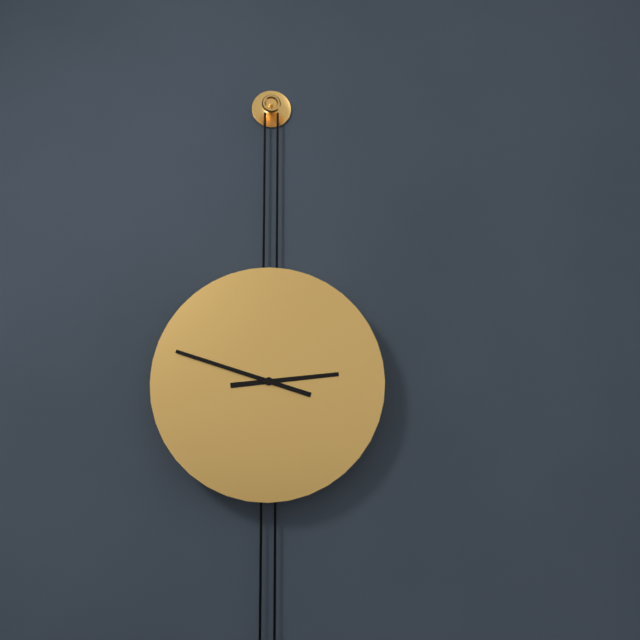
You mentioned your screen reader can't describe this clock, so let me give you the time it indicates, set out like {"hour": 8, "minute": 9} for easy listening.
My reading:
{"hour": 2, "minute": 48}
